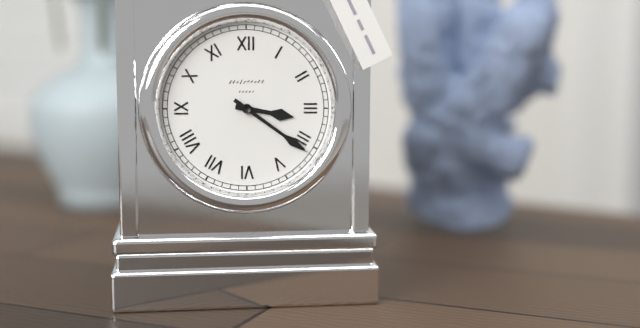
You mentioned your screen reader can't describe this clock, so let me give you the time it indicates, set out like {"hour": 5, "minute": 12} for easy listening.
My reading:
{"hour": 3, "minute": 21}
